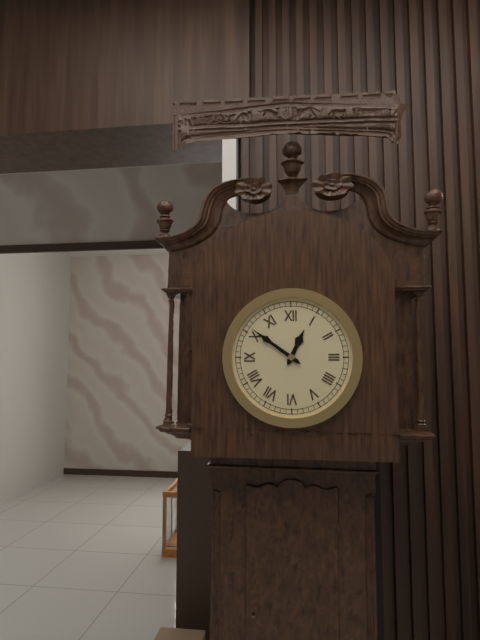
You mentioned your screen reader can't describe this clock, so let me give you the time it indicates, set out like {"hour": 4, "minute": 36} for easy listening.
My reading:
{"hour": 12, "minute": 51}
